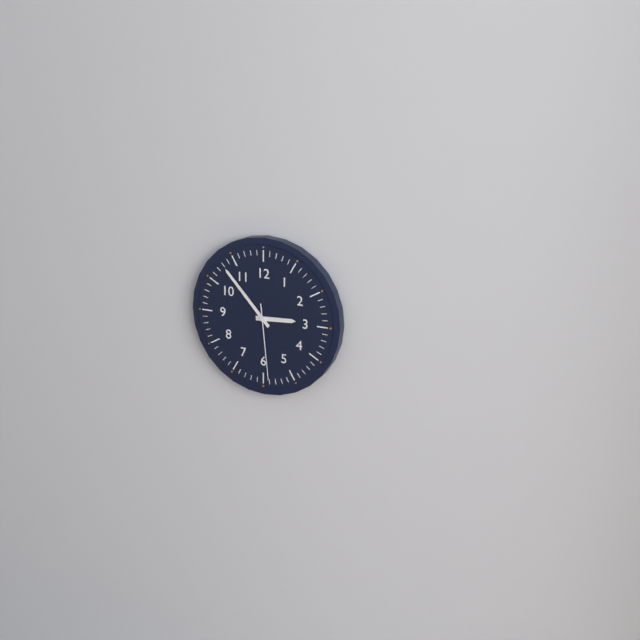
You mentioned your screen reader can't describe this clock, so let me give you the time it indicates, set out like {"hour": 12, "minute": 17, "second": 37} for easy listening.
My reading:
{"hour": 2, "minute": 53, "second": 29}
